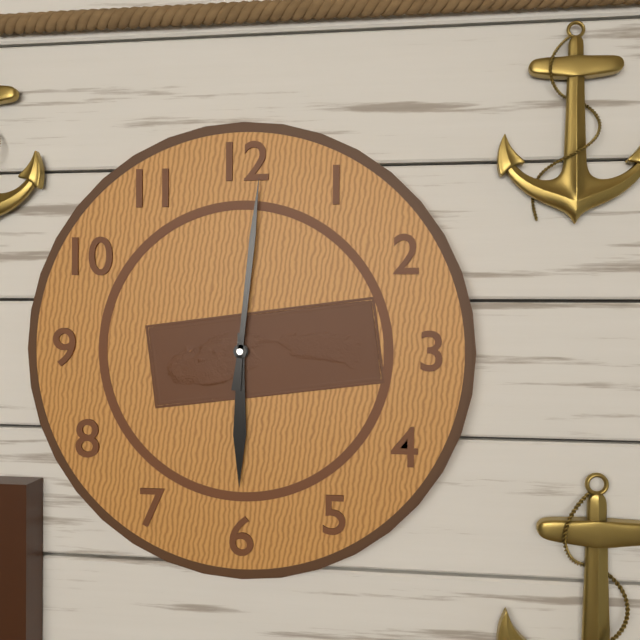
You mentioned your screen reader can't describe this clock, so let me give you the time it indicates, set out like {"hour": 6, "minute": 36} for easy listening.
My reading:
{"hour": 6, "minute": 1}
